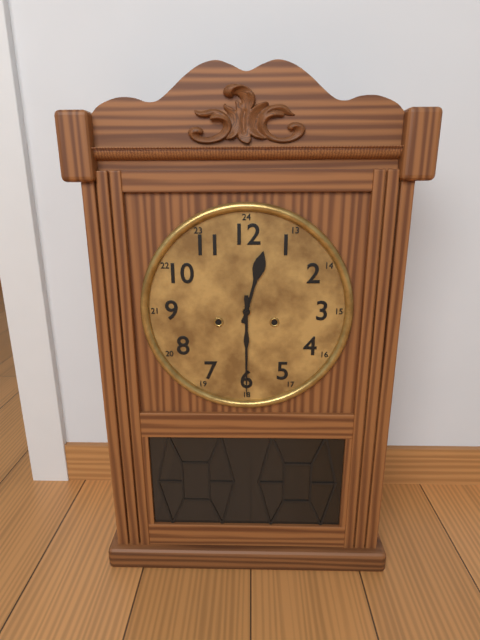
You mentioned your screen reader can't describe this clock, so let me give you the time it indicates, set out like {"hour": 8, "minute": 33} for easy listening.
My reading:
{"hour": 12, "minute": 30}
